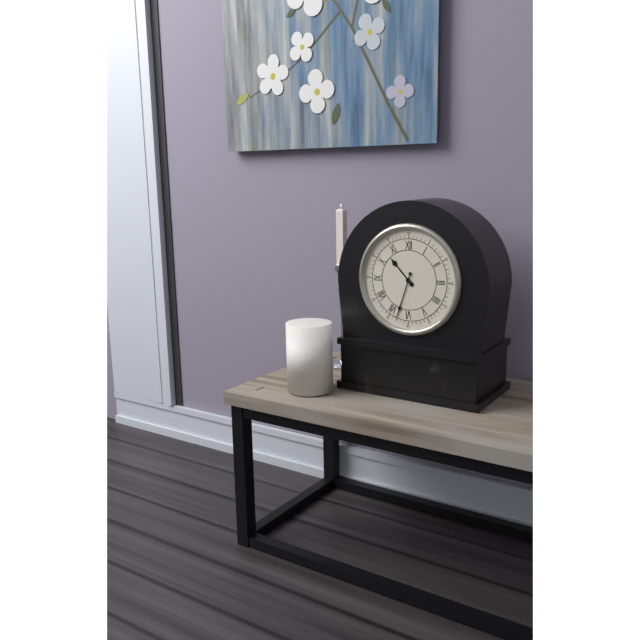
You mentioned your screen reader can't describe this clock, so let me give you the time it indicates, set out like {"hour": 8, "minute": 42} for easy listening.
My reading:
{"hour": 10, "minute": 33}
